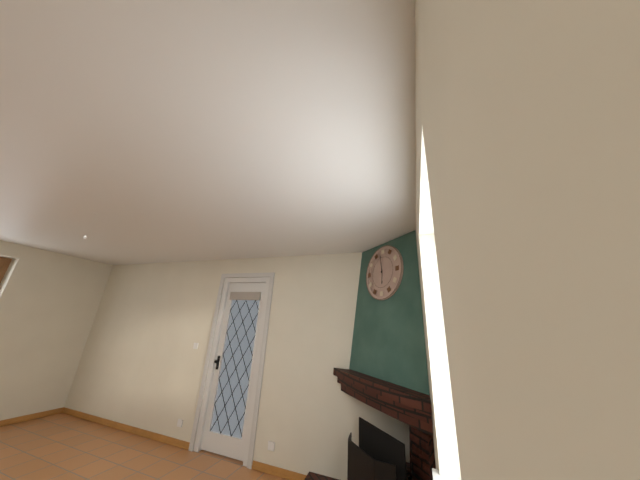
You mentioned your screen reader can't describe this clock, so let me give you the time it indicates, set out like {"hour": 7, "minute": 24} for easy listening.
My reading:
{"hour": 5, "minute": 58}
